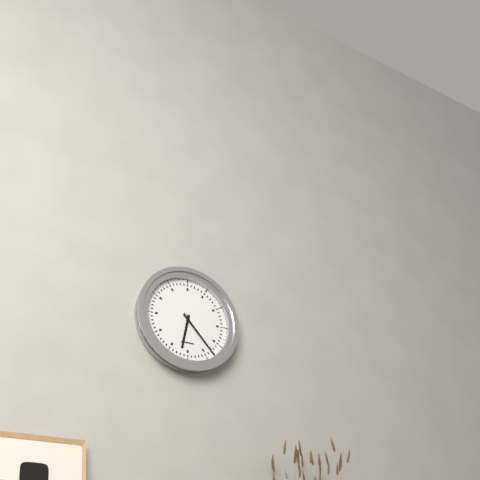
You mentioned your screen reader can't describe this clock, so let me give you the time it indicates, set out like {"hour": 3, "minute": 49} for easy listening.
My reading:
{"hour": 6, "minute": 23}
